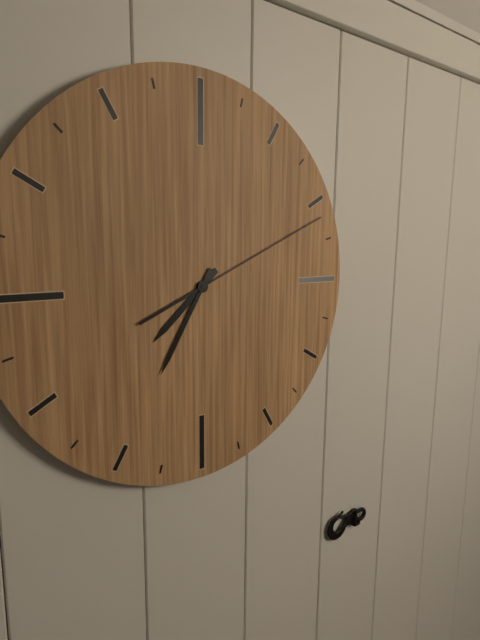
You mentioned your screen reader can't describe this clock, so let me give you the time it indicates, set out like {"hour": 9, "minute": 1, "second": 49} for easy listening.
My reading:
{"hour": 7, "minute": 35, "second": 11}
